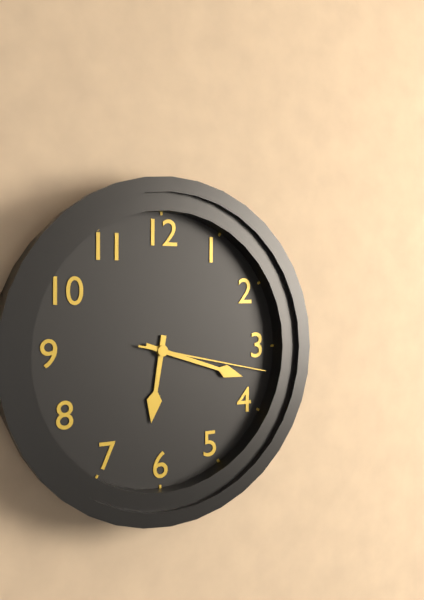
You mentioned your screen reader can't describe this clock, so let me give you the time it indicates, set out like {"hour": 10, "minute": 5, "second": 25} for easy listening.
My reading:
{"hour": 6, "minute": 18, "second": 17}
